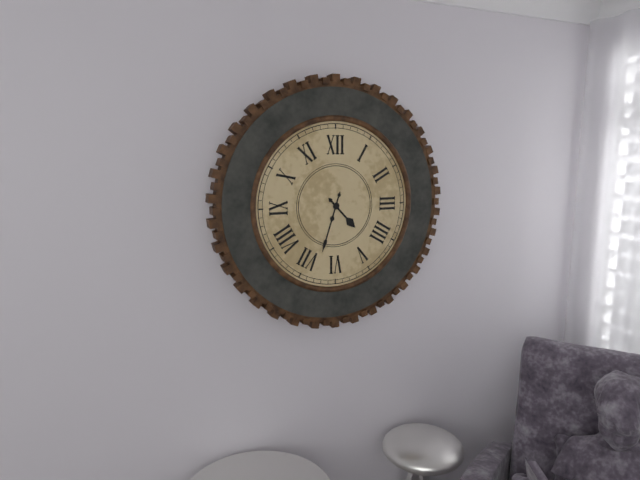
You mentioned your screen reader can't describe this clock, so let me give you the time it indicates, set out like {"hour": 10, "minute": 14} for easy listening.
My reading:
{"hour": 4, "minute": 33}
